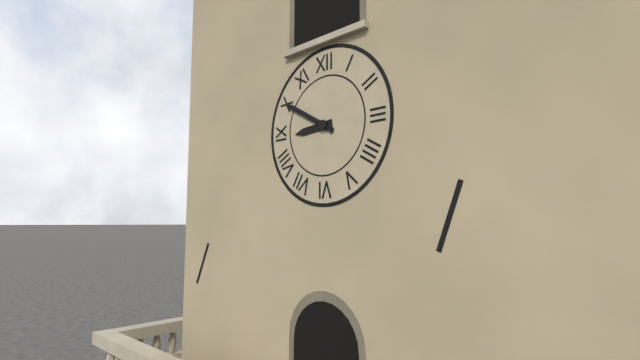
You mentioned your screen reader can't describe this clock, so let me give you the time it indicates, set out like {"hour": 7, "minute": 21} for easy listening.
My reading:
{"hour": 8, "minute": 50}
